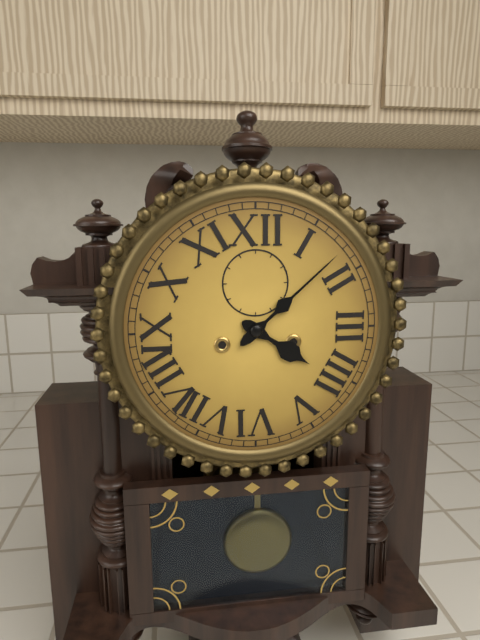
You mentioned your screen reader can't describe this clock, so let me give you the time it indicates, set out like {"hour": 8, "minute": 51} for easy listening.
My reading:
{"hour": 4, "minute": 8}
